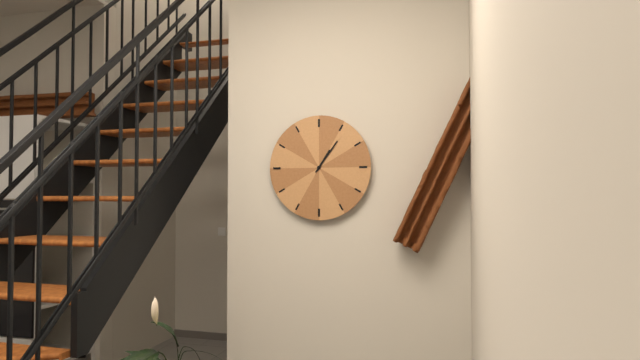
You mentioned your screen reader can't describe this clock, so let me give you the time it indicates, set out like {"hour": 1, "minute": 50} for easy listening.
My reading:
{"hour": 1, "minute": 6}
